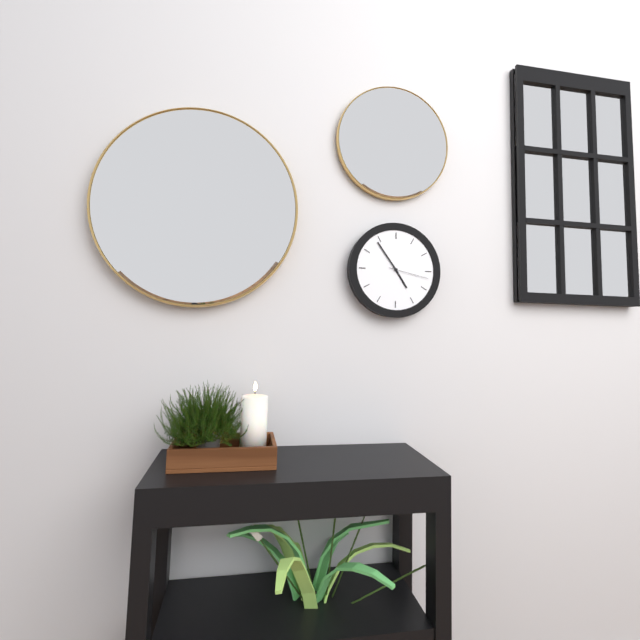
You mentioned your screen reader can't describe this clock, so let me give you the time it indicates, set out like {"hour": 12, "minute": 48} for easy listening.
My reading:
{"hour": 4, "minute": 54}
